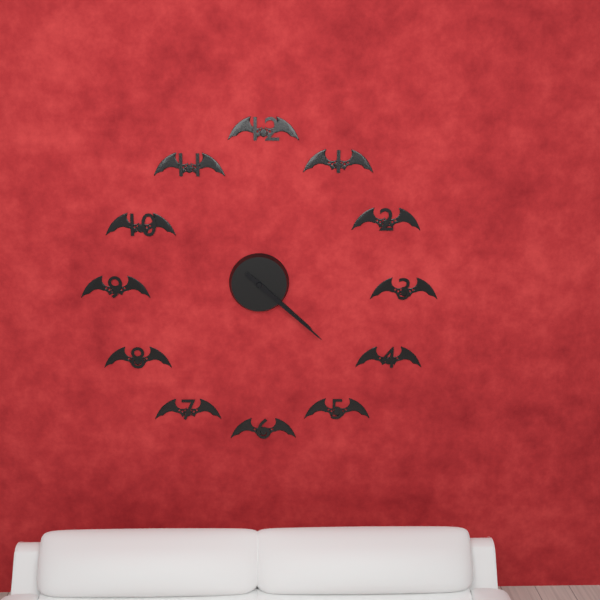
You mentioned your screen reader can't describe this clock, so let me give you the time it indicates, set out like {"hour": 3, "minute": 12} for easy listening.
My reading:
{"hour": 4, "minute": 22}
